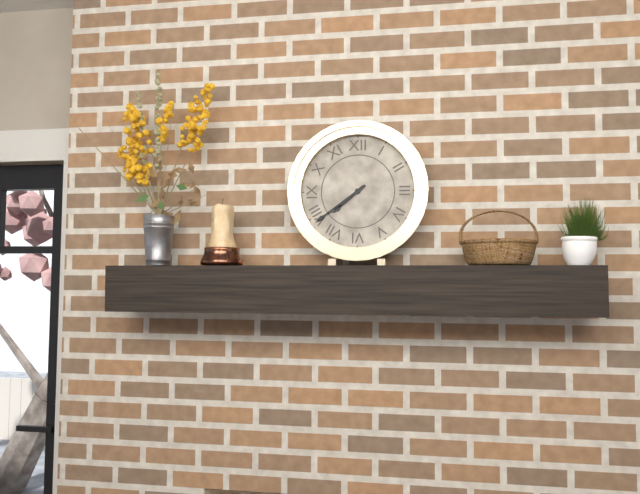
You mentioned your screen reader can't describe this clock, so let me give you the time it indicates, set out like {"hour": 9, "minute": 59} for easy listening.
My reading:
{"hour": 7, "minute": 39}
